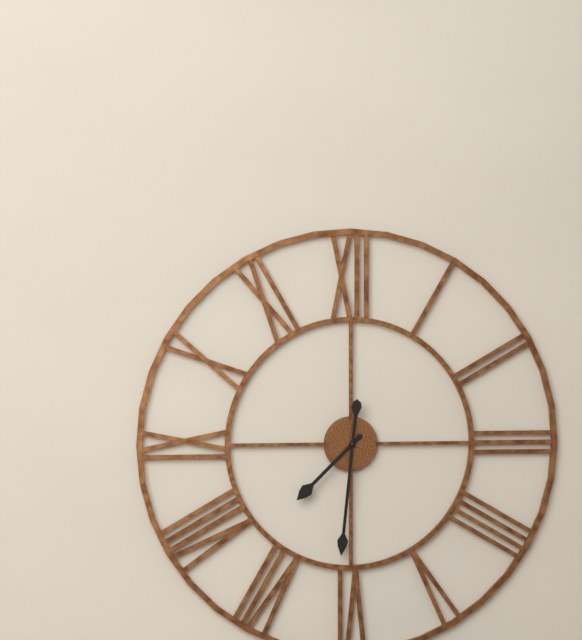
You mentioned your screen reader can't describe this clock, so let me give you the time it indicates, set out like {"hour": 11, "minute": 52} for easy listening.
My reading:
{"hour": 7, "minute": 31}
